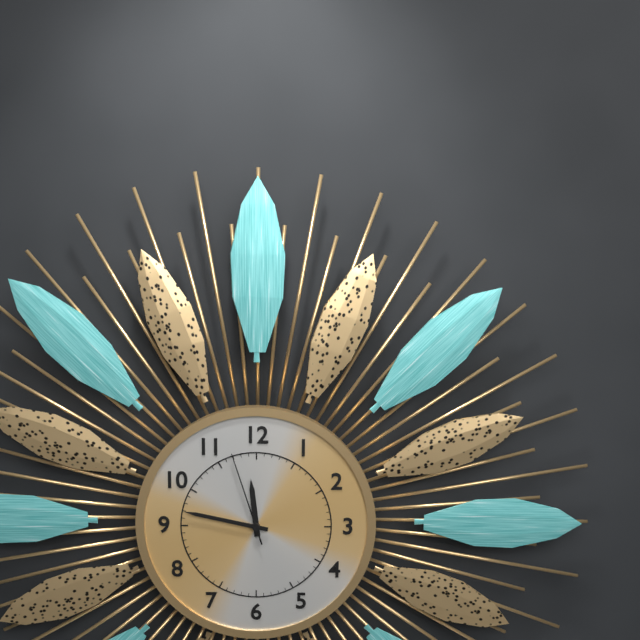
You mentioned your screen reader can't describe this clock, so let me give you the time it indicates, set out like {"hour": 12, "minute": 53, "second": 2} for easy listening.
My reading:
{"hour": 11, "minute": 47, "second": 57}
